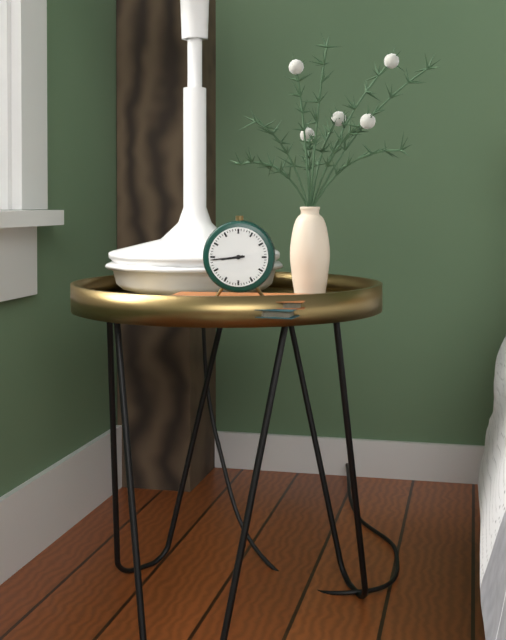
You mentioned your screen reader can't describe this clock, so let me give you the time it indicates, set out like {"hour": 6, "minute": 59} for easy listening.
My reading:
{"hour": 8, "minute": 44}
